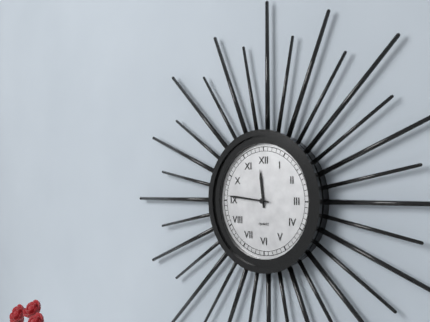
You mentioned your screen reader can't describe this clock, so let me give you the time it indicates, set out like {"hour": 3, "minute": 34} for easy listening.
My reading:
{"hour": 11, "minute": 46}
